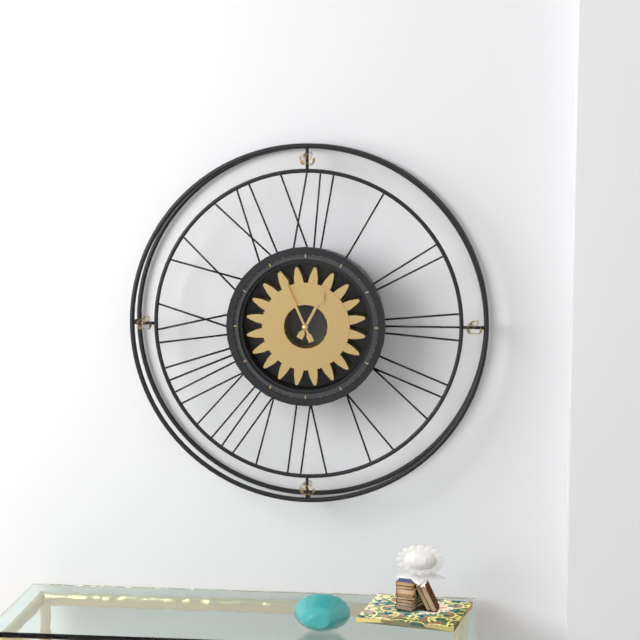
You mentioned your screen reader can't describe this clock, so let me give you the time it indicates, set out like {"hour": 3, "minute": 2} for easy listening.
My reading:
{"hour": 12, "minute": 56}
